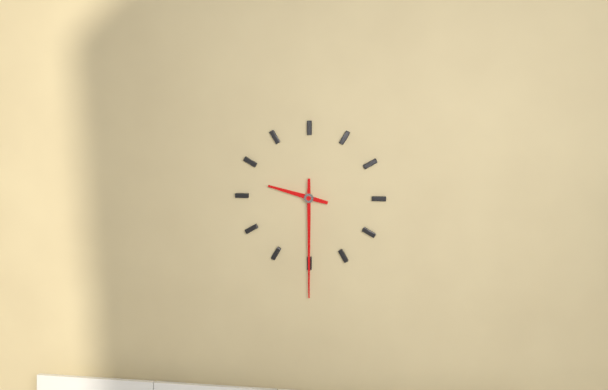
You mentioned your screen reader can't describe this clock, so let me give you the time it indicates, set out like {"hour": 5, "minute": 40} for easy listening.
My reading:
{"hour": 9, "minute": 30}
